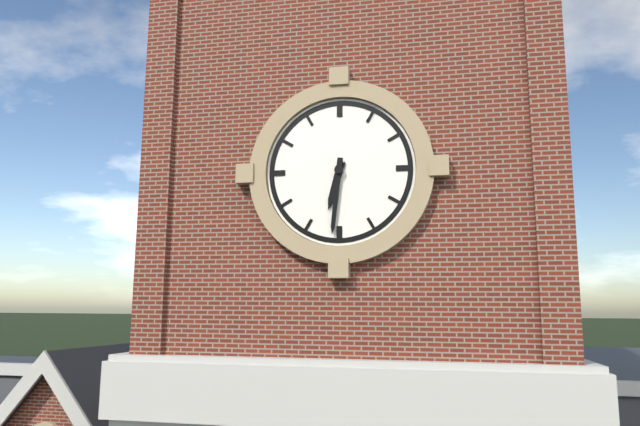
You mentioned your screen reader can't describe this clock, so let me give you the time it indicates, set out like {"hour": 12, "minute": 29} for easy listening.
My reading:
{"hour": 6, "minute": 31}
